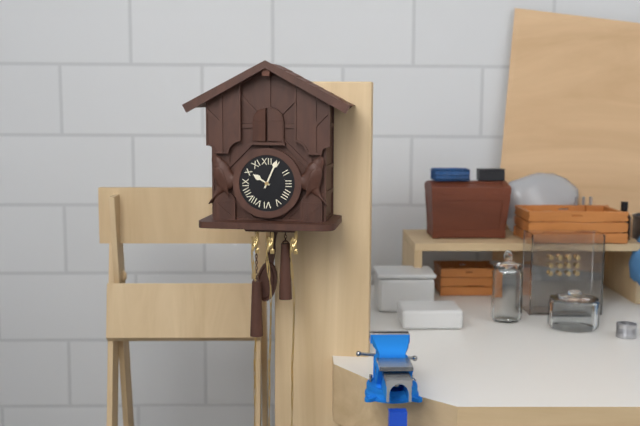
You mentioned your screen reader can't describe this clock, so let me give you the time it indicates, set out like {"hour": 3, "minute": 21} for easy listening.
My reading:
{"hour": 10, "minute": 4}
